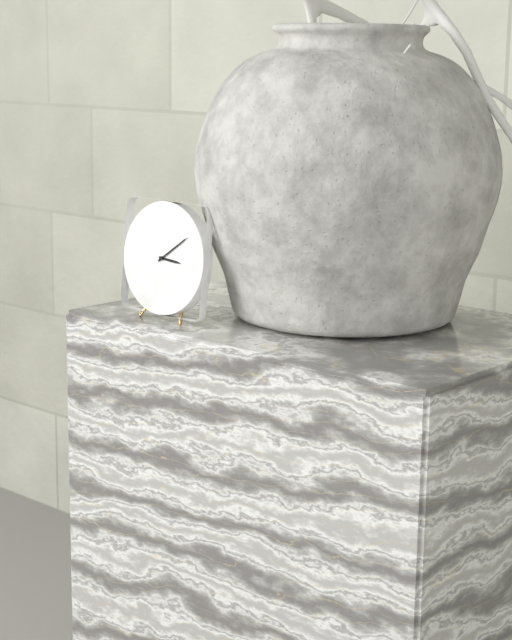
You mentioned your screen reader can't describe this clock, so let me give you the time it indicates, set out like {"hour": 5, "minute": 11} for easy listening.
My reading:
{"hour": 3, "minute": 9}
